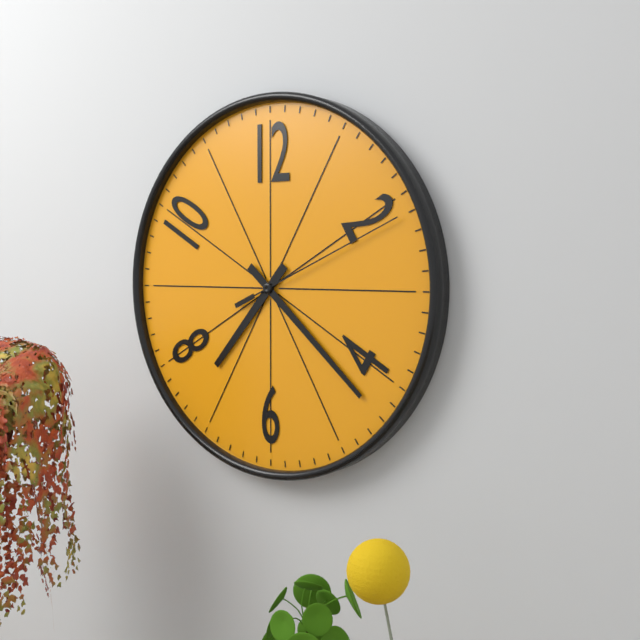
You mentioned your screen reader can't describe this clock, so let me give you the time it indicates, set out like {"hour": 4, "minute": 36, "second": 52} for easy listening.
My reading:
{"hour": 7, "minute": 22, "second": 11}
